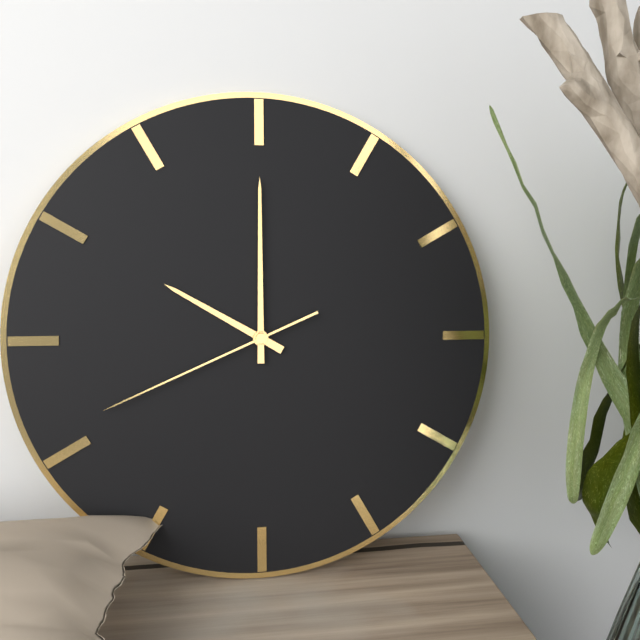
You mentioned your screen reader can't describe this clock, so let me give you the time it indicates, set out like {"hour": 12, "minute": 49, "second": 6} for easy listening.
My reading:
{"hour": 10, "minute": 0, "second": 41}
